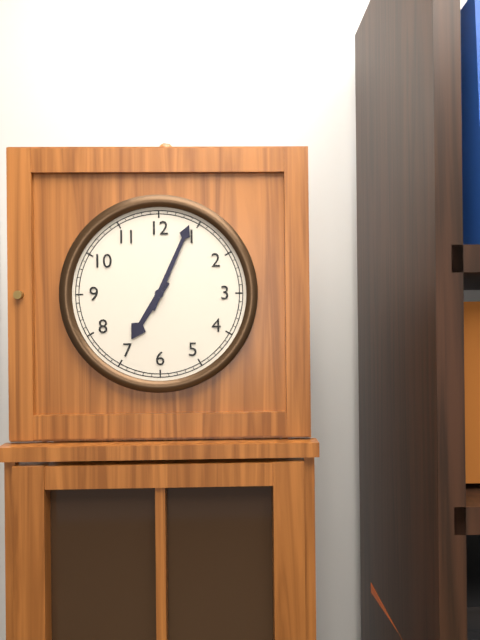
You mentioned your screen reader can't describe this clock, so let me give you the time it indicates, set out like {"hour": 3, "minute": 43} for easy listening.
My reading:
{"hour": 7, "minute": 4}
